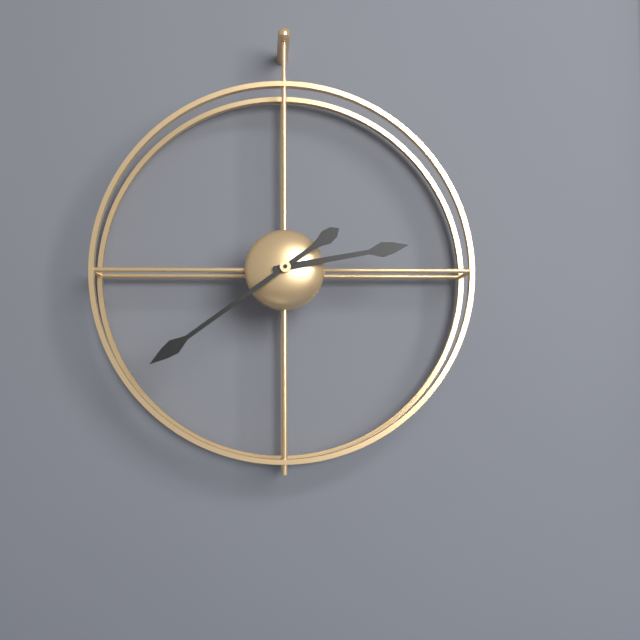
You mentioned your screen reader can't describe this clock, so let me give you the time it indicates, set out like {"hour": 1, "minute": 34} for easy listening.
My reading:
{"hour": 2, "minute": 39}
